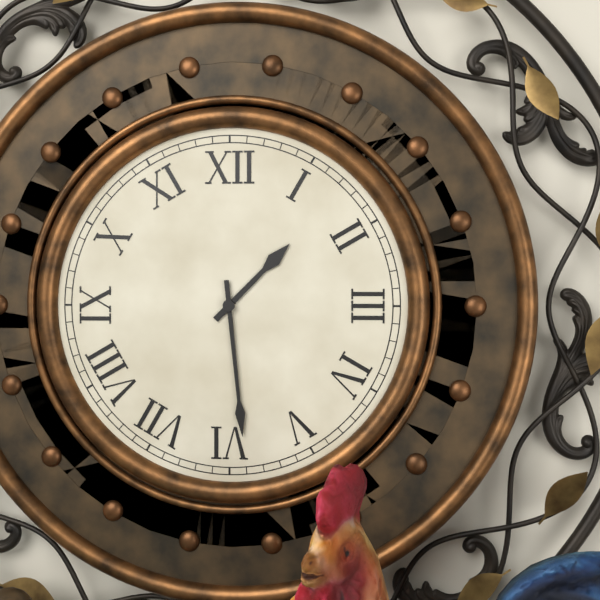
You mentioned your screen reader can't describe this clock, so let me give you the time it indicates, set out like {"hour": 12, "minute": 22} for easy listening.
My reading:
{"hour": 1, "minute": 29}
